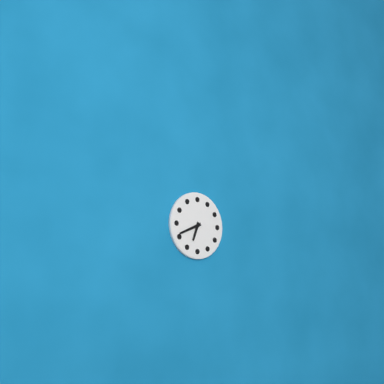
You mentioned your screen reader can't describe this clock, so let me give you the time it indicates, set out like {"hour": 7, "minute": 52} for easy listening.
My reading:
{"hour": 6, "minute": 41}
